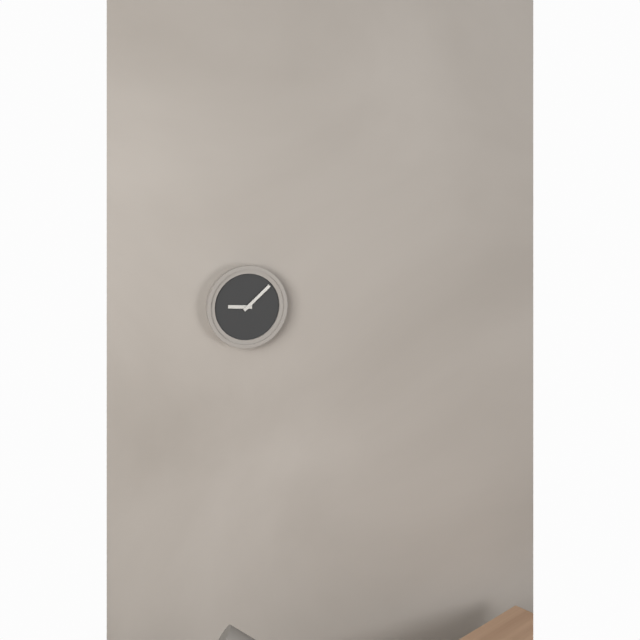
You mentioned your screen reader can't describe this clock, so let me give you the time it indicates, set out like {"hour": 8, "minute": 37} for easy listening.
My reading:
{"hour": 9, "minute": 8}
